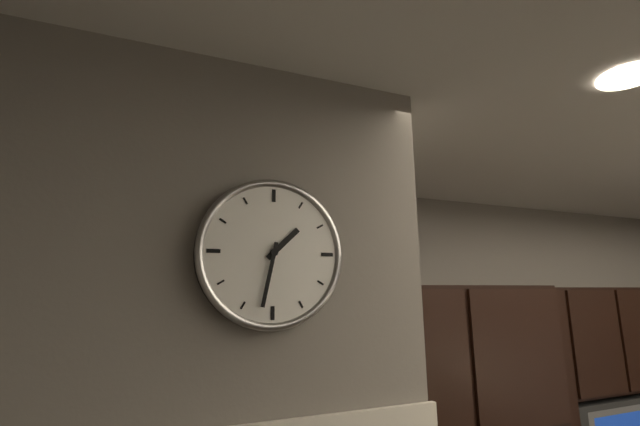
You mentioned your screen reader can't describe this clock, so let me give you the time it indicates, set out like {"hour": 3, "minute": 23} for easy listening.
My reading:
{"hour": 1, "minute": 32}
